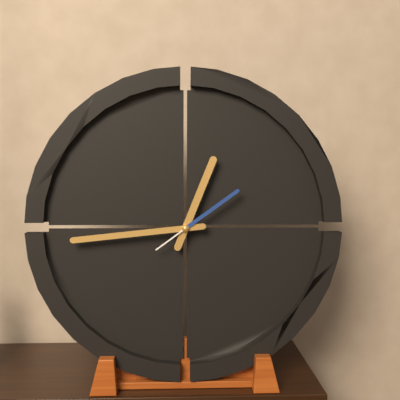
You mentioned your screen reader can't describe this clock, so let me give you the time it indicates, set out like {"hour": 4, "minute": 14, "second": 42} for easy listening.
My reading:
{"hour": 12, "minute": 44, "second": 9}
